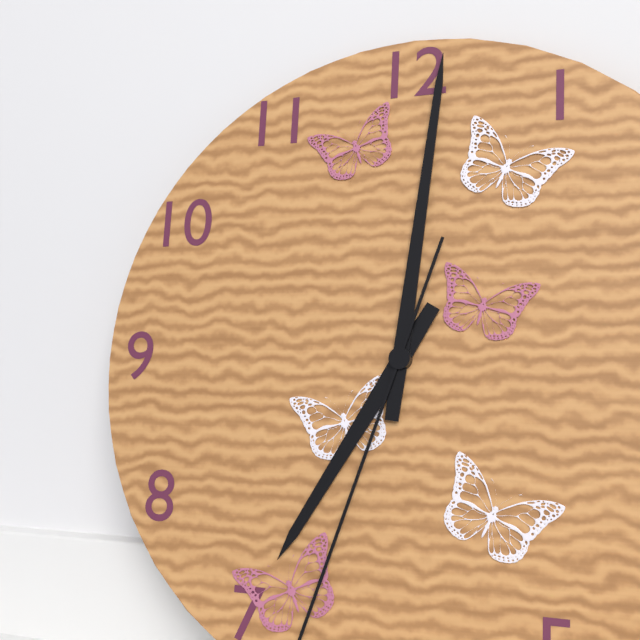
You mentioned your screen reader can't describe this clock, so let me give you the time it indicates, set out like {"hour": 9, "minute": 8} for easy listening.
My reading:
{"hour": 7, "minute": 1}
